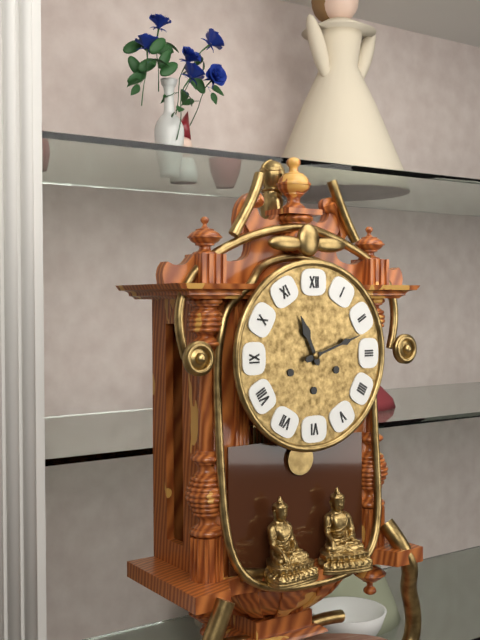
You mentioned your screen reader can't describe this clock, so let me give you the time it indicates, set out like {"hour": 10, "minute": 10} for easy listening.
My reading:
{"hour": 11, "minute": 12}
